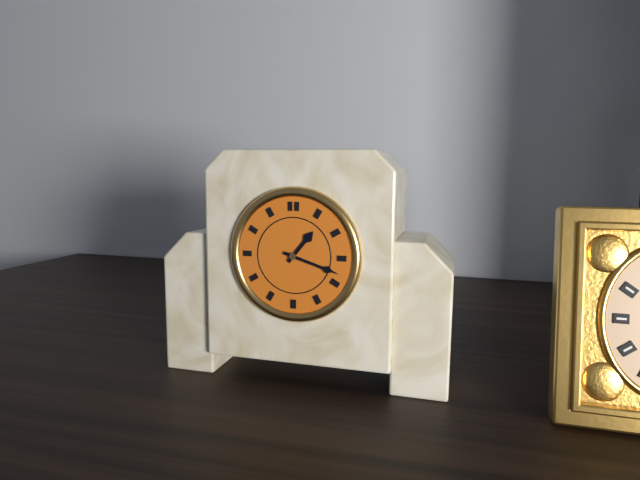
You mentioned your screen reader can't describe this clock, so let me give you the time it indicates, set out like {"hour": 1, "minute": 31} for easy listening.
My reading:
{"hour": 1, "minute": 18}
